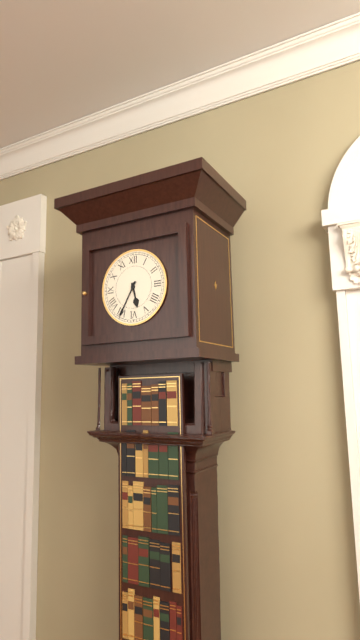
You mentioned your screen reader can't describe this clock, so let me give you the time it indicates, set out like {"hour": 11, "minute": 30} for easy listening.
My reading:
{"hour": 5, "minute": 35}
